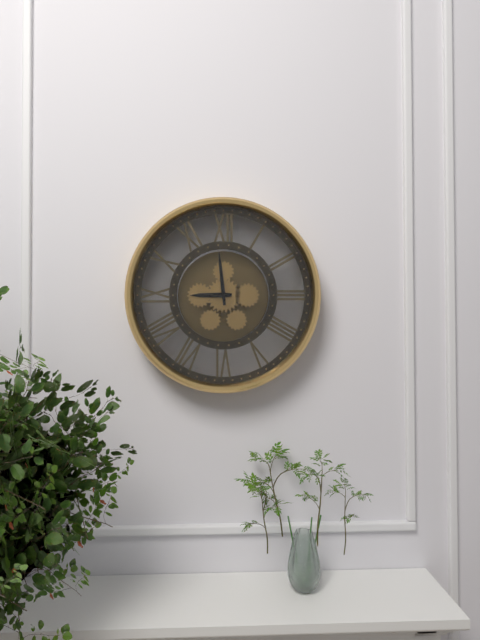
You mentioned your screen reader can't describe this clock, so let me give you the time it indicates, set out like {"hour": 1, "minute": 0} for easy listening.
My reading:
{"hour": 8, "minute": 59}
